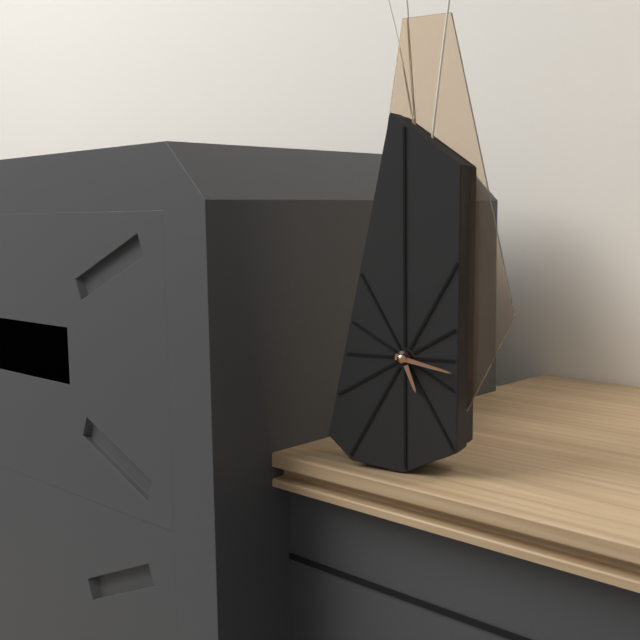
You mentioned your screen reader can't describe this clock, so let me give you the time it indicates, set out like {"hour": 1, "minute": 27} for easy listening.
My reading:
{"hour": 5, "minute": 17}
